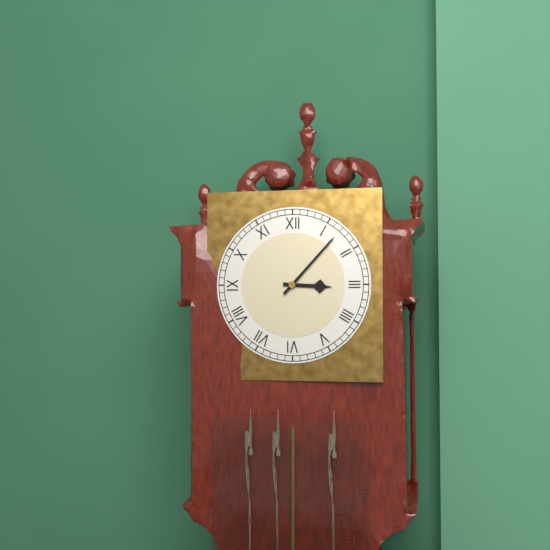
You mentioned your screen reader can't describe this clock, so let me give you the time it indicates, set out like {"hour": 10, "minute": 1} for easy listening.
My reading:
{"hour": 3, "minute": 7}
